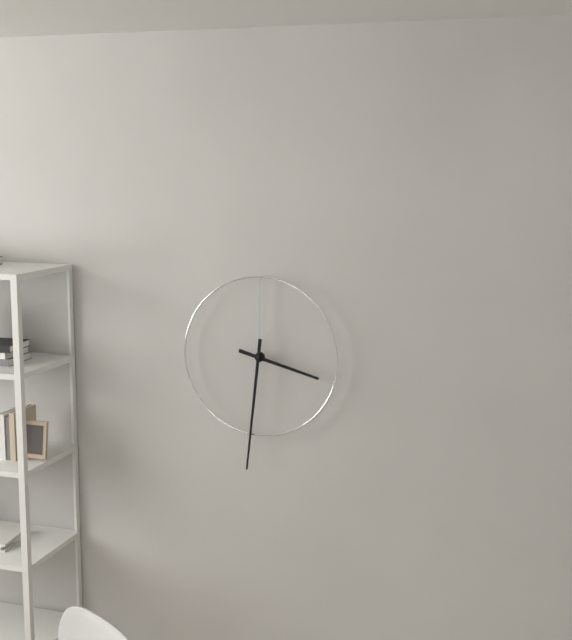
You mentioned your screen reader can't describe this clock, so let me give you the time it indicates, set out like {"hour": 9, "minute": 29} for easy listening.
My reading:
{"hour": 3, "minute": 31}
